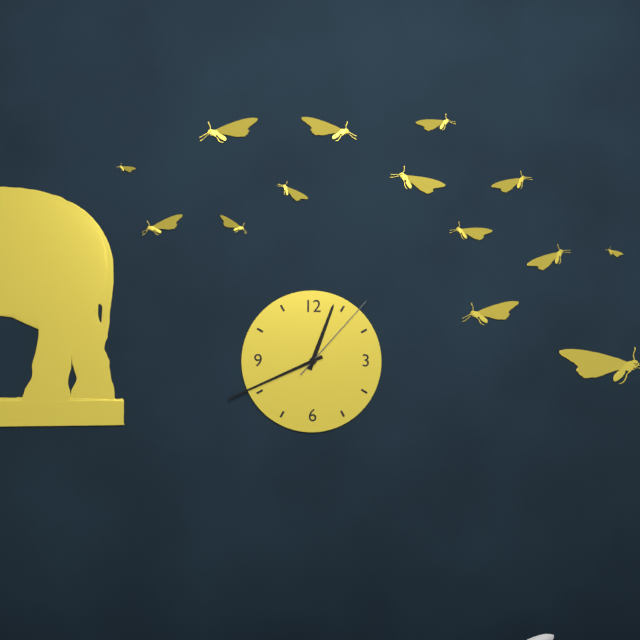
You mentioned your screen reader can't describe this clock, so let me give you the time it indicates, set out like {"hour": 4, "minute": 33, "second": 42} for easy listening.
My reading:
{"hour": 12, "minute": 41, "second": 7}
